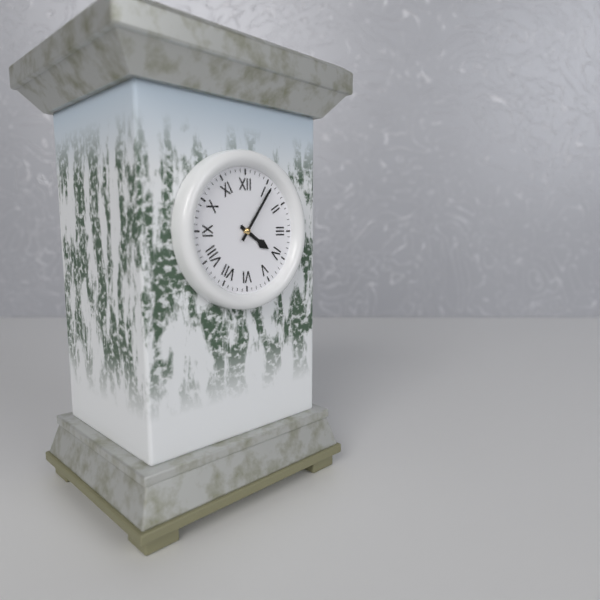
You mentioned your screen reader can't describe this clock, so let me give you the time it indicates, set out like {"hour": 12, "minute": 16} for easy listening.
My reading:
{"hour": 4, "minute": 6}
